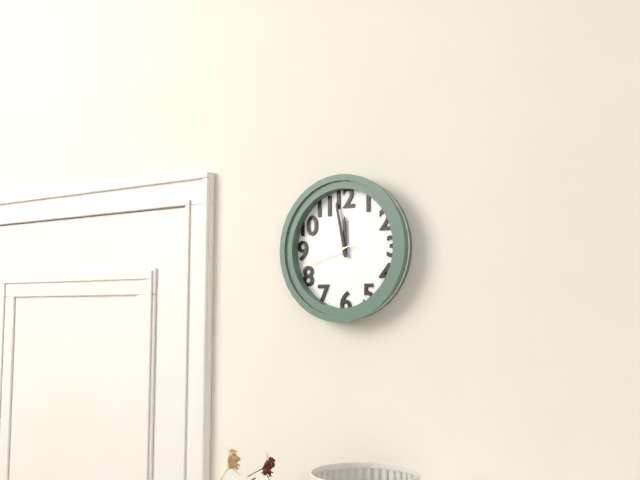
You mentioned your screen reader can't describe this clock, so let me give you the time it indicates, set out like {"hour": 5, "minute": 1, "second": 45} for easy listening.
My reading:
{"hour": 11, "minute": 58, "second": 42}
